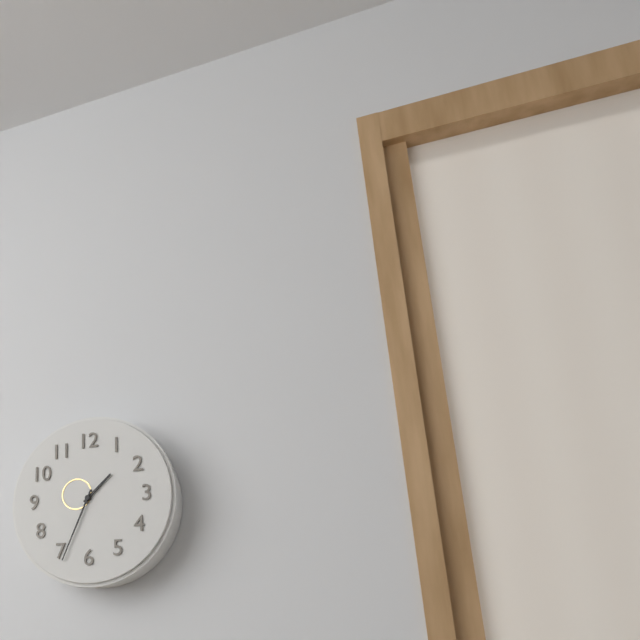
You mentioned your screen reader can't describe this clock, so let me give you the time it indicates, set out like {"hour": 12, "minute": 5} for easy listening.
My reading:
{"hour": 1, "minute": 34}
